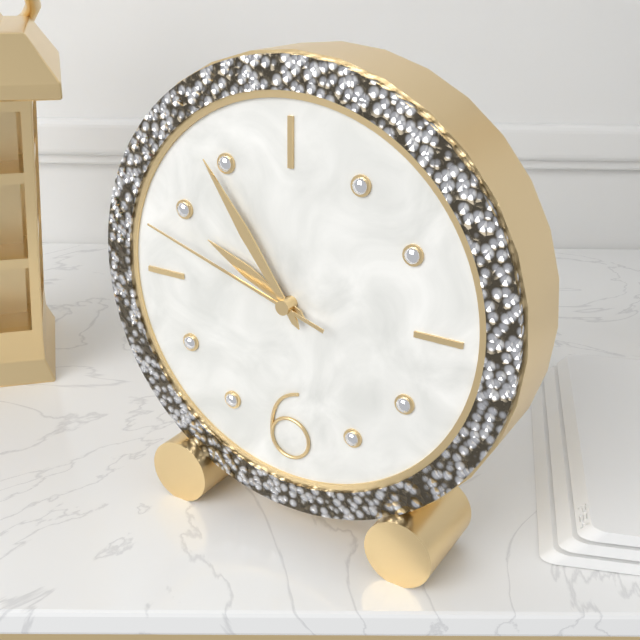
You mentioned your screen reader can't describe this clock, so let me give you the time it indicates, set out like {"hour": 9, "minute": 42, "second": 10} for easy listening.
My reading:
{"hour": 9, "minute": 54, "second": 48}
